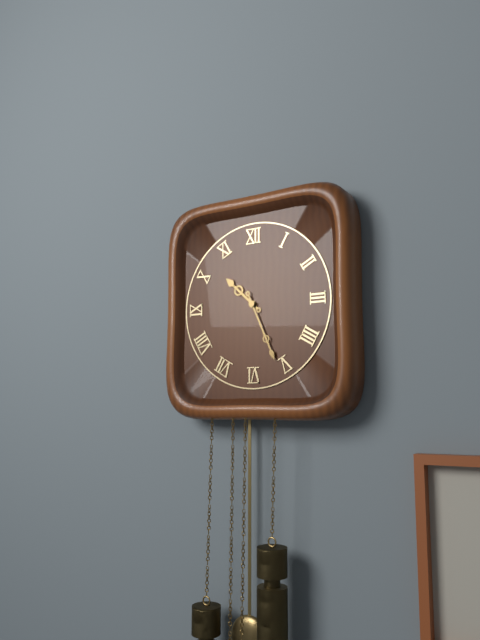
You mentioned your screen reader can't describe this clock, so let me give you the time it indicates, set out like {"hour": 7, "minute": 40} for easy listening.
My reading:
{"hour": 10, "minute": 26}
